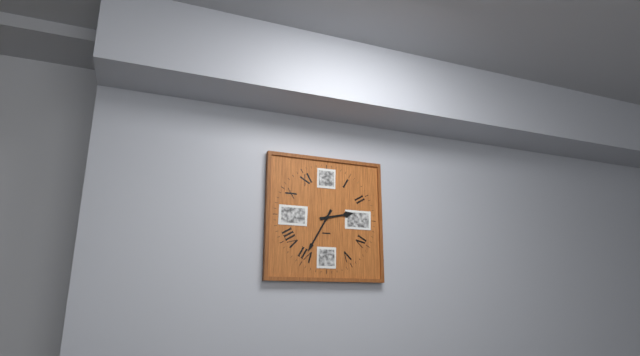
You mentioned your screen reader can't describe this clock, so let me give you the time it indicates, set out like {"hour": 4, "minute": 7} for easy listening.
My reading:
{"hour": 2, "minute": 35}
